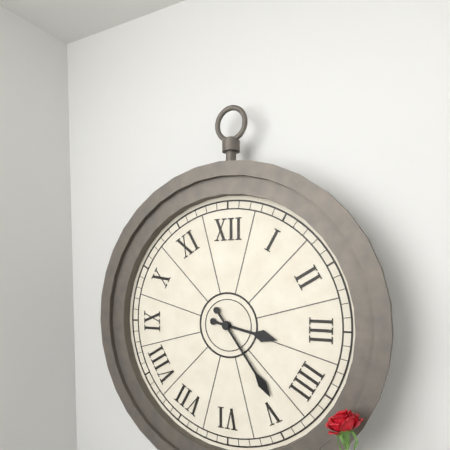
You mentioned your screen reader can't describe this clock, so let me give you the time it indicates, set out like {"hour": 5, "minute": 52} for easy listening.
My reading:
{"hour": 3, "minute": 24}
